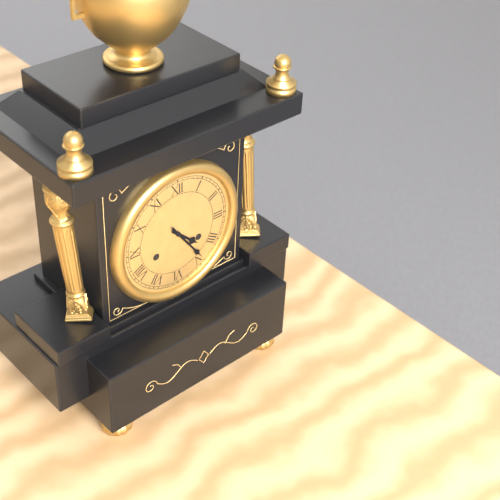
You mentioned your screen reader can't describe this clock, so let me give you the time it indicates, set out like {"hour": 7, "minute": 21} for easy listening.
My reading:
{"hour": 4, "minute": 24}
